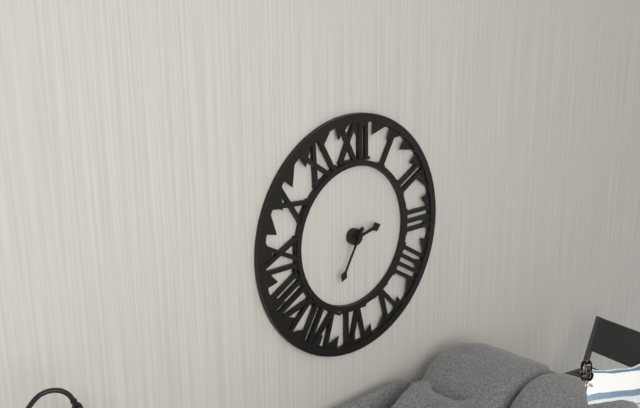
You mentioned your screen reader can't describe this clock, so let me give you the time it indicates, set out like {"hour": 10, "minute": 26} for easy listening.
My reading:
{"hour": 2, "minute": 35}
